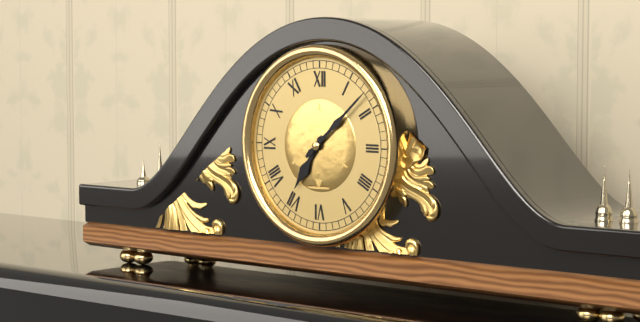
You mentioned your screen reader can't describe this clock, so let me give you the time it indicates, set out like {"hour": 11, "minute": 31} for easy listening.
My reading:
{"hour": 7, "minute": 8}
